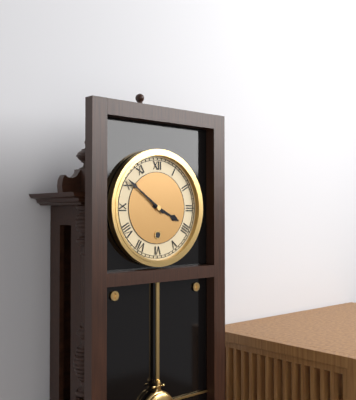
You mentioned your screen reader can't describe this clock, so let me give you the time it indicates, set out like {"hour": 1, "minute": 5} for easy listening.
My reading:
{"hour": 3, "minute": 51}
